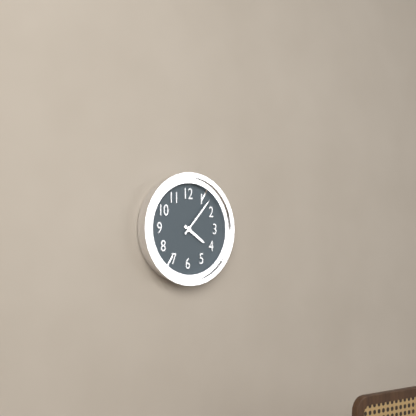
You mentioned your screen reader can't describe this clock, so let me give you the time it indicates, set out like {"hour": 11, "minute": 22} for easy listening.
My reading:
{"hour": 4, "minute": 7}
